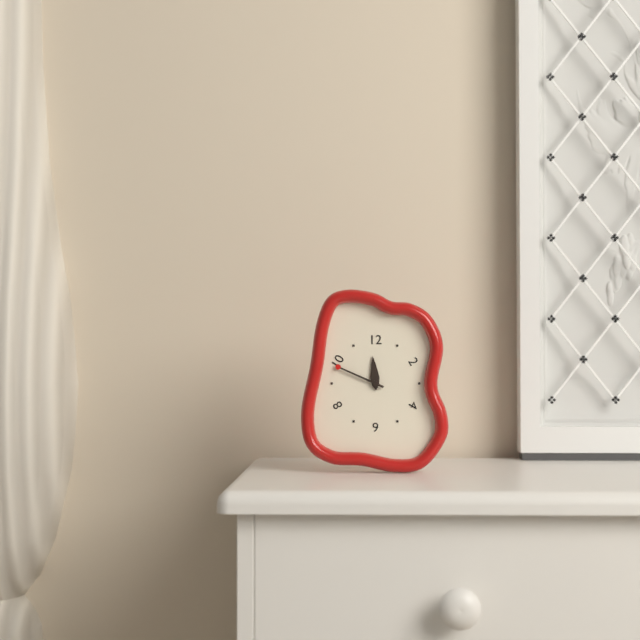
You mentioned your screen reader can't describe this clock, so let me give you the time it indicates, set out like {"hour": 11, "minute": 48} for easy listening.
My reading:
{"hour": 11, "minute": 49}
